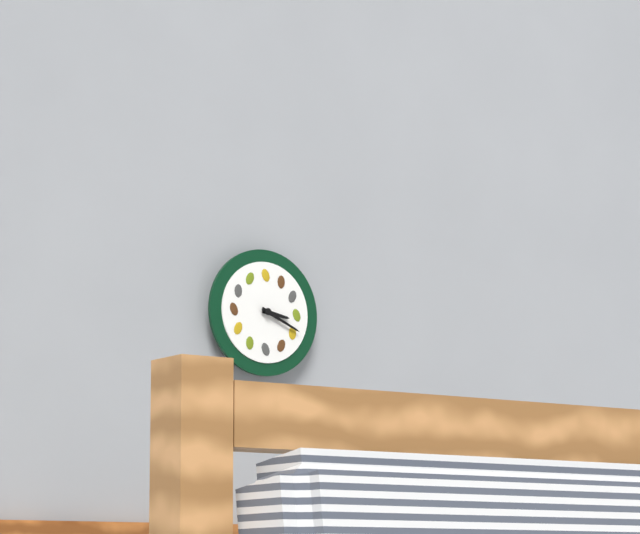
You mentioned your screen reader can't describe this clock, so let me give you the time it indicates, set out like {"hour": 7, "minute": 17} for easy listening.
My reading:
{"hour": 3, "minute": 19}
